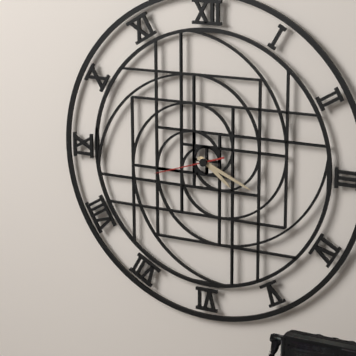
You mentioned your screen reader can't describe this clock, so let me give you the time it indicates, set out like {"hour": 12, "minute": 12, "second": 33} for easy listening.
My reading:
{"hour": 4, "minute": 19, "second": 42}
